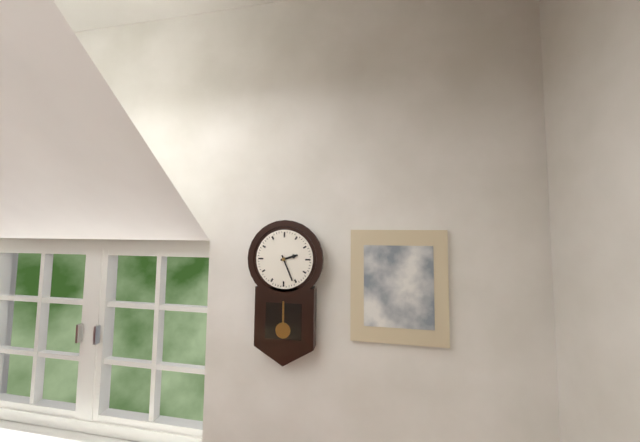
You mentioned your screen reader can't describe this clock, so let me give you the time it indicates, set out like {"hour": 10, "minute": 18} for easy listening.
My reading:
{"hour": 2, "minute": 26}
